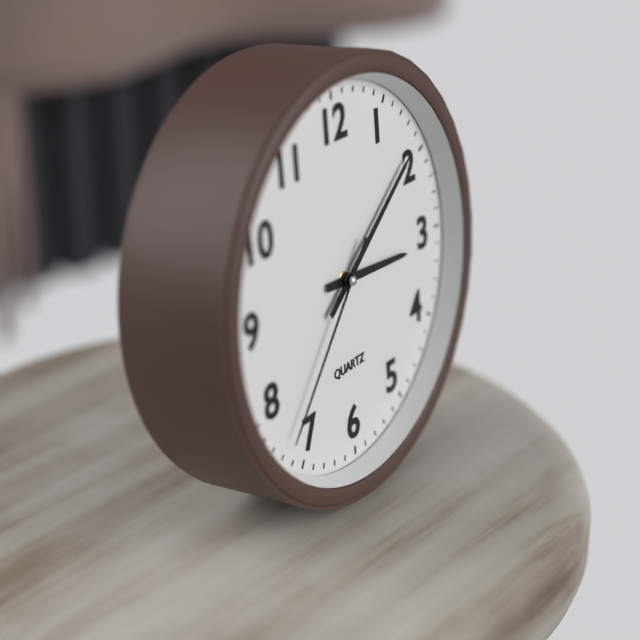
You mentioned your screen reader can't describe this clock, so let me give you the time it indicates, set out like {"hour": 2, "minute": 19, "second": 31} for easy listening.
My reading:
{"hour": 3, "minute": 9, "second": 37}
